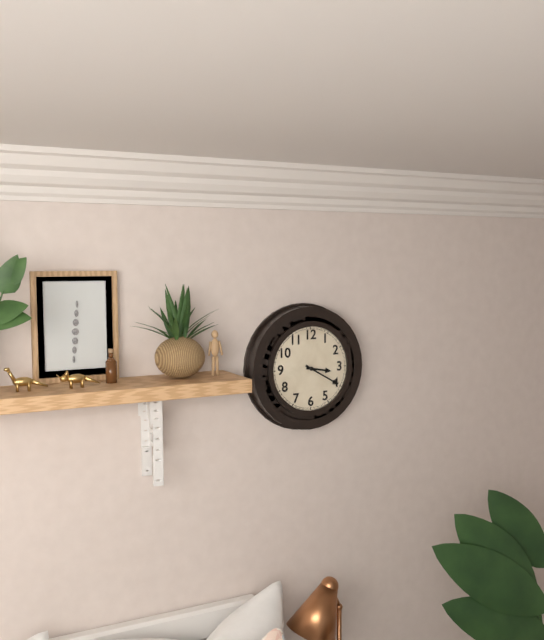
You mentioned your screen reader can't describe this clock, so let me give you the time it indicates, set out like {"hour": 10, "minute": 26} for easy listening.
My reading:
{"hour": 3, "minute": 20}
